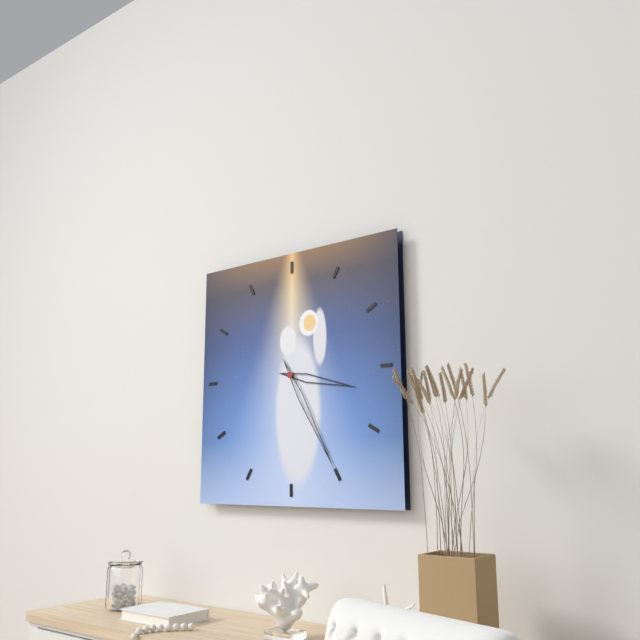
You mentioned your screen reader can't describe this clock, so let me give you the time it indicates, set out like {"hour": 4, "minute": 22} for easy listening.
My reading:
{"hour": 3, "minute": 25}
